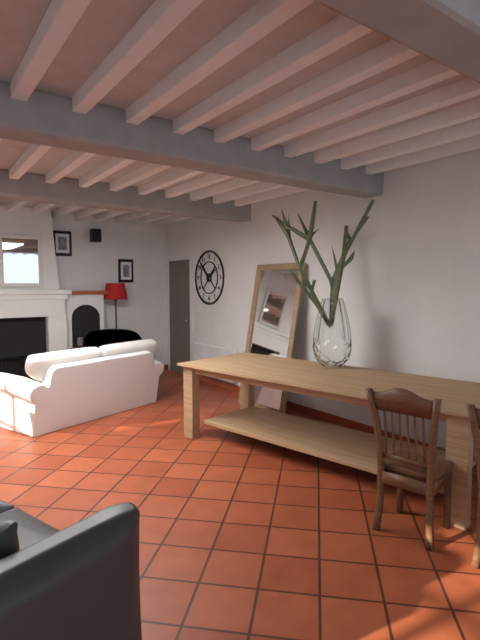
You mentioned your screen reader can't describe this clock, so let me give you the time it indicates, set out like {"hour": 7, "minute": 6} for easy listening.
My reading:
{"hour": 1, "minute": 53}
